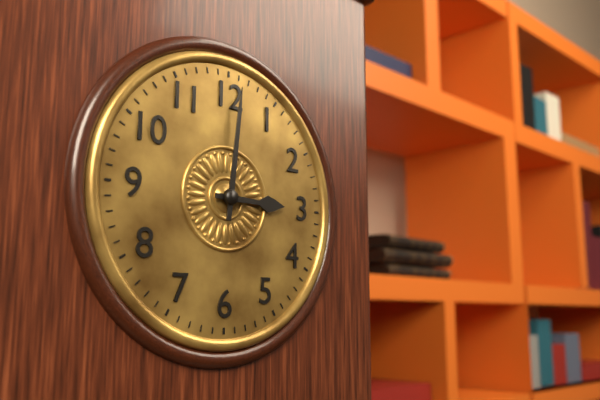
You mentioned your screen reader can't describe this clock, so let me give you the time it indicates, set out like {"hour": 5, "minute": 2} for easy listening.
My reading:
{"hour": 3, "minute": 1}
